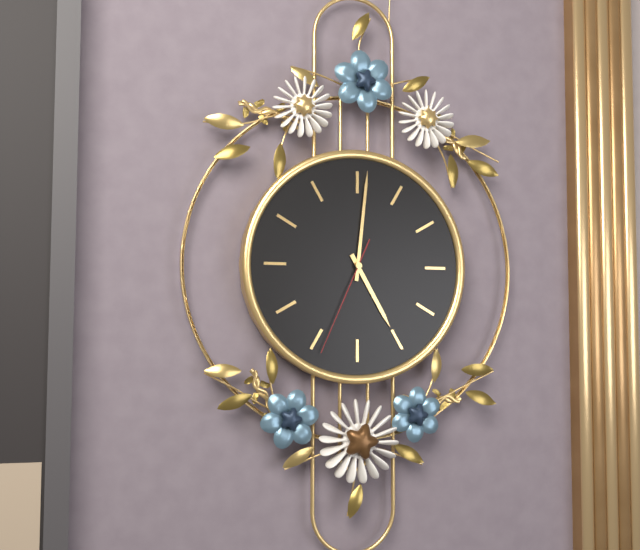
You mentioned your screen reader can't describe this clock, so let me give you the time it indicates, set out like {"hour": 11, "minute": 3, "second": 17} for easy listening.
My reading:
{"hour": 5, "minute": 1, "second": 34}
